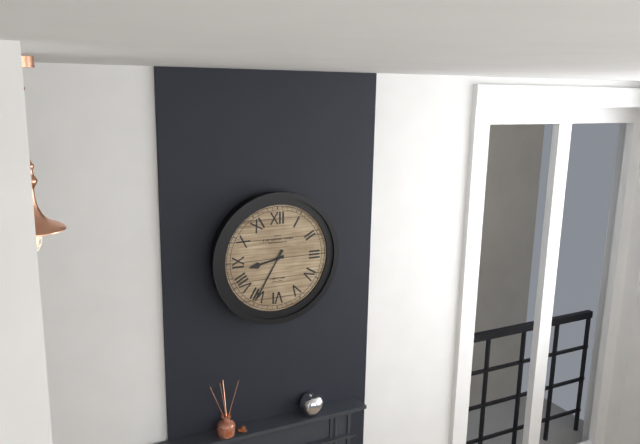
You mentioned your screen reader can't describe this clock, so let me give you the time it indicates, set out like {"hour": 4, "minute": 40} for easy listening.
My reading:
{"hour": 8, "minute": 35}
